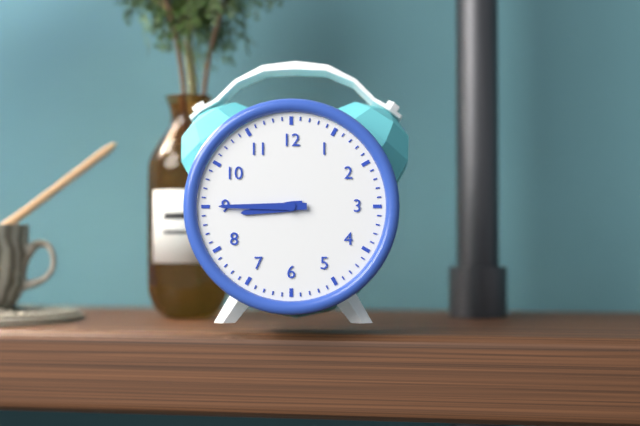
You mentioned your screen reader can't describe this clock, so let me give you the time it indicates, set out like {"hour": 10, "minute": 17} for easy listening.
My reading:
{"hour": 8, "minute": 45}
